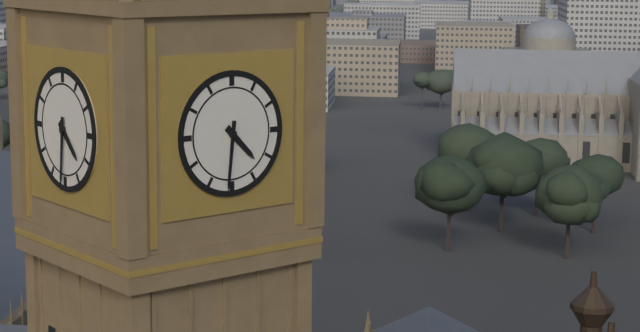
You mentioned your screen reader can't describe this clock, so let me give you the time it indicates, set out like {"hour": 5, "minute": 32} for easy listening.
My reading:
{"hour": 4, "minute": 31}
